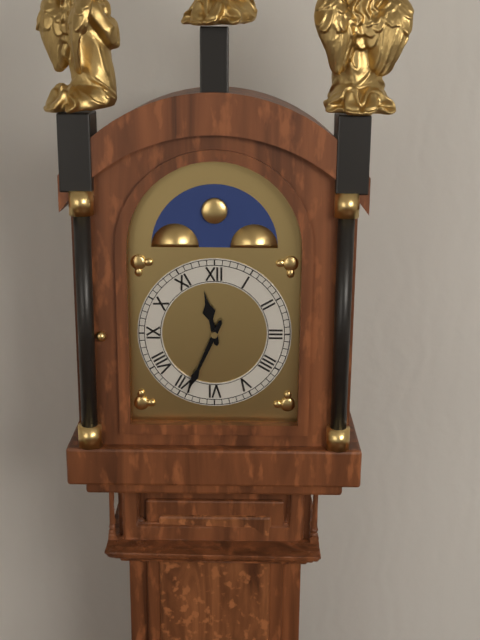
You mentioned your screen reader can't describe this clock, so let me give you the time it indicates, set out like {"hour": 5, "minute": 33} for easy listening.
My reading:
{"hour": 11, "minute": 34}
